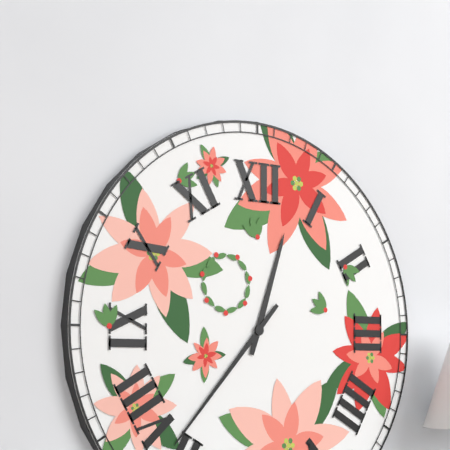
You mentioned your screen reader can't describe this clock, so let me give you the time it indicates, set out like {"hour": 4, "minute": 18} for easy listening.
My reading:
{"hour": 12, "minute": 37}
